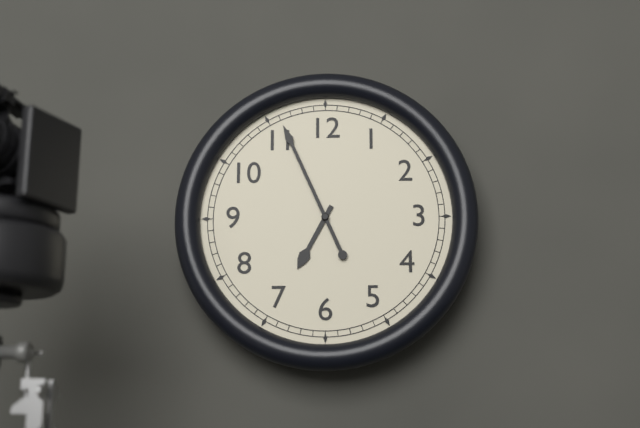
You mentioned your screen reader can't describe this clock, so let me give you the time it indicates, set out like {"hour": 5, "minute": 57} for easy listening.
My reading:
{"hour": 6, "minute": 56}
